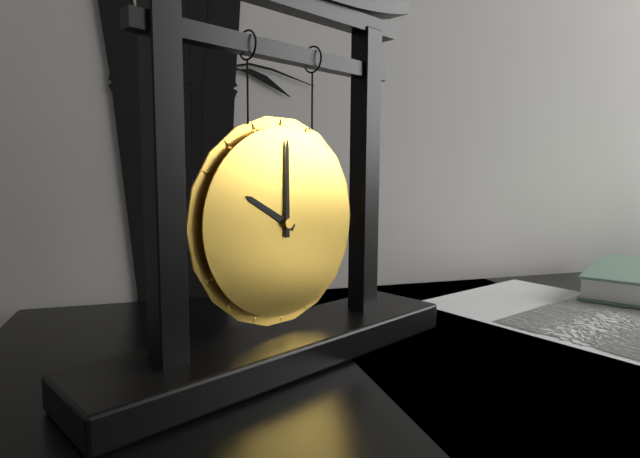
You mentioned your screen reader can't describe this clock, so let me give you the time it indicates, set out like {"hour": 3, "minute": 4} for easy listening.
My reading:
{"hour": 10, "minute": 0}
